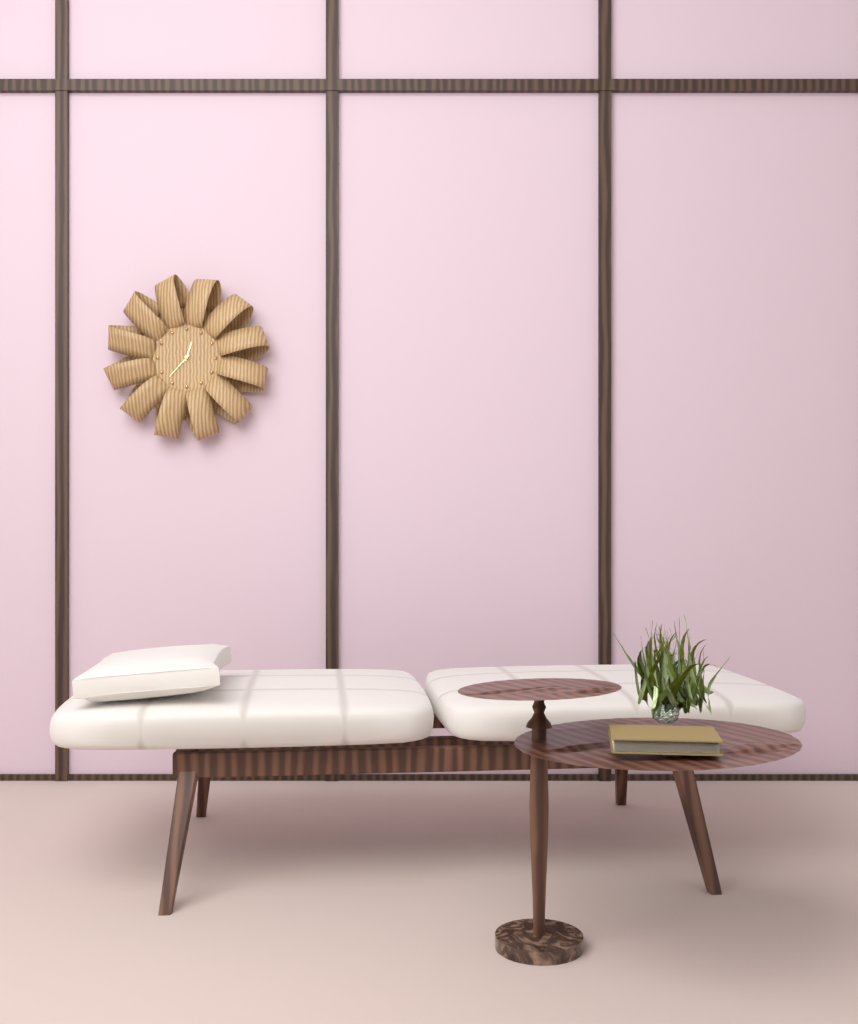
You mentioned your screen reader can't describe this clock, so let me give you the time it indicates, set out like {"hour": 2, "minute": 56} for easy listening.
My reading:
{"hour": 12, "minute": 37}
